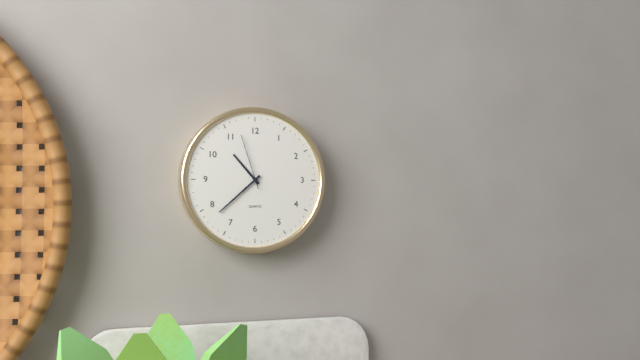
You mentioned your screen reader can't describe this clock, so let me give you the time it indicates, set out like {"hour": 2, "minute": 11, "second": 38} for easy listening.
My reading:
{"hour": 10, "minute": 38, "second": 57}
